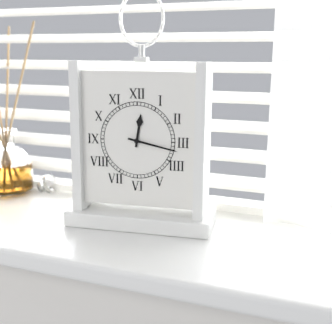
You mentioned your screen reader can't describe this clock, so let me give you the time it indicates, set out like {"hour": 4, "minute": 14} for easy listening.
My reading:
{"hour": 12, "minute": 17}
